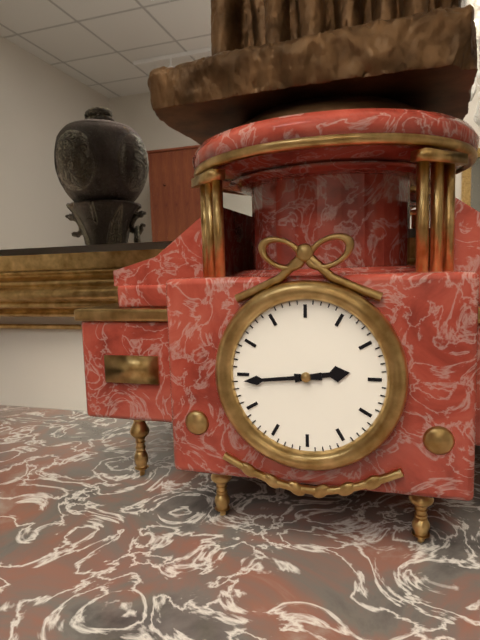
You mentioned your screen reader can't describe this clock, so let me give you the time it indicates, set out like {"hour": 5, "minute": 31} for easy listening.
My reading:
{"hour": 2, "minute": 44}
